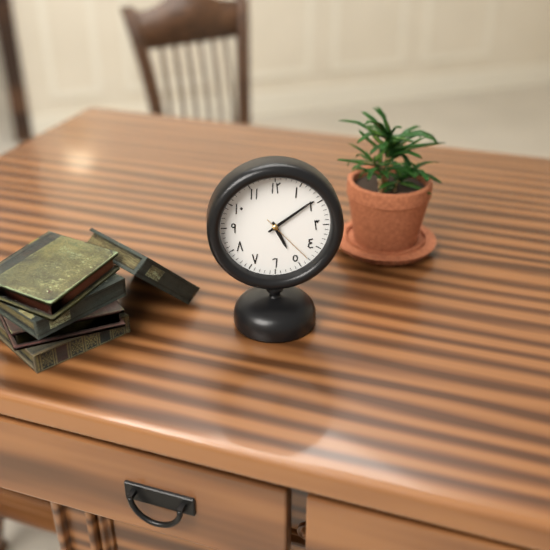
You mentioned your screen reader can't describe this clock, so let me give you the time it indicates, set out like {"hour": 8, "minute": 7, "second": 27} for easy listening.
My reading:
{"hour": 5, "minute": 9, "second": 23}
